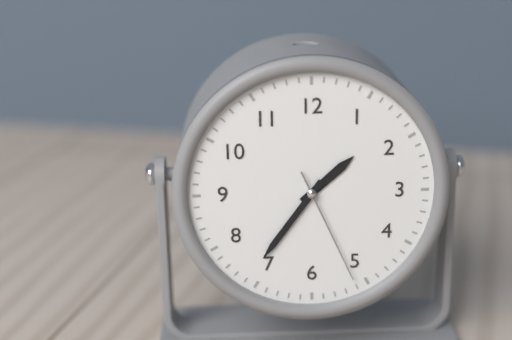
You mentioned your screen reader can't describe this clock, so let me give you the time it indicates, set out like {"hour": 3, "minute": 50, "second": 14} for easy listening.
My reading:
{"hour": 1, "minute": 36, "second": 26}
